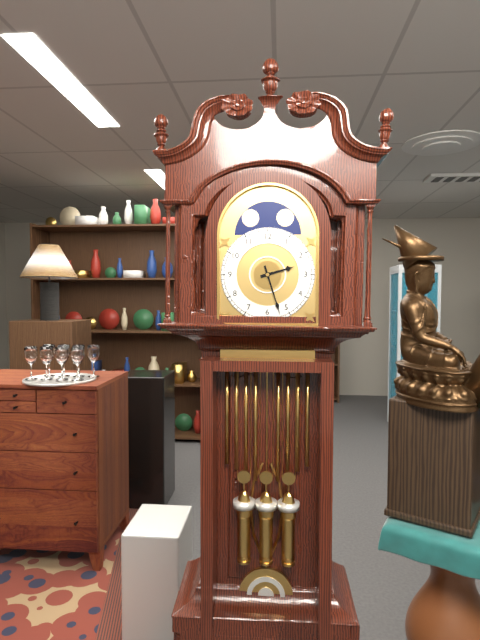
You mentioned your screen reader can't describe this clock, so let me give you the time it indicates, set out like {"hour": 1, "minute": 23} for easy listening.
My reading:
{"hour": 2, "minute": 27}
